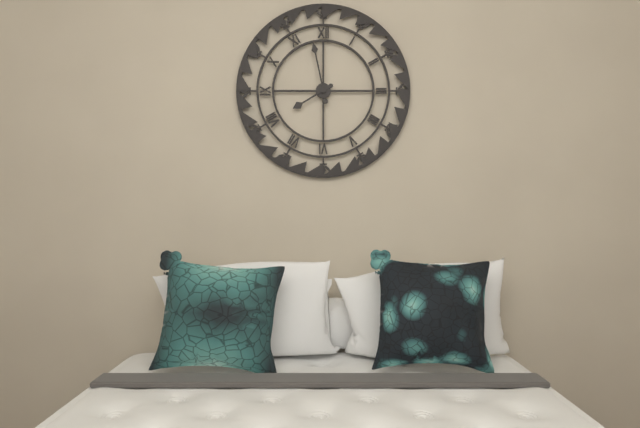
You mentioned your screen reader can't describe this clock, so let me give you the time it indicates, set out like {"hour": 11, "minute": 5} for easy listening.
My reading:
{"hour": 7, "minute": 58}
